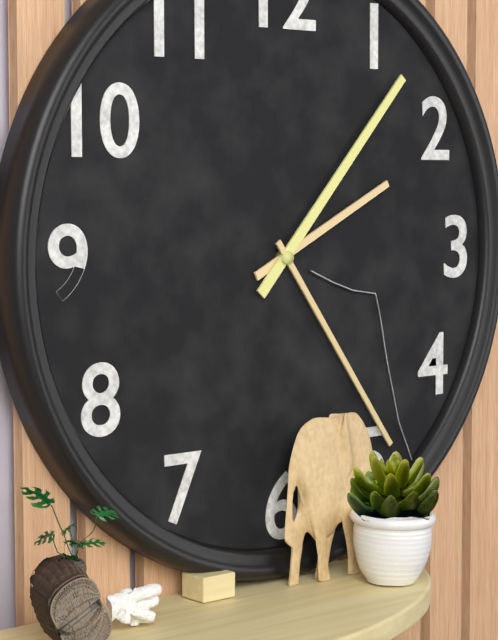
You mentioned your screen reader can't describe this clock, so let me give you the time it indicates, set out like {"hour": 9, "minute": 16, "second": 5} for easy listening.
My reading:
{"hour": 2, "minute": 7, "second": 24}
